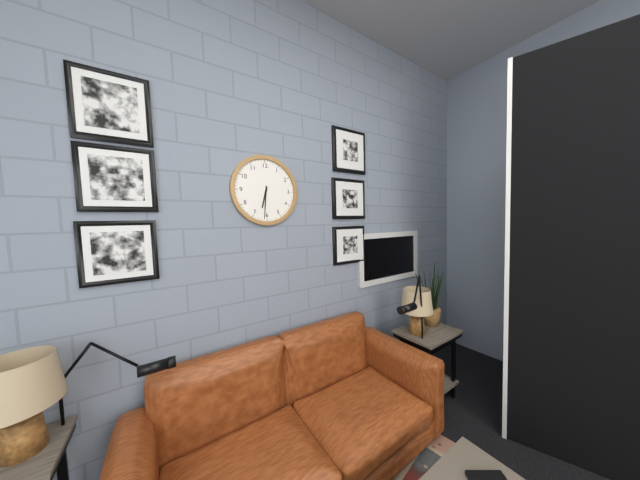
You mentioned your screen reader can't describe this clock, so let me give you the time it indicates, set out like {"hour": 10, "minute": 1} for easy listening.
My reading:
{"hour": 6, "minute": 31}
